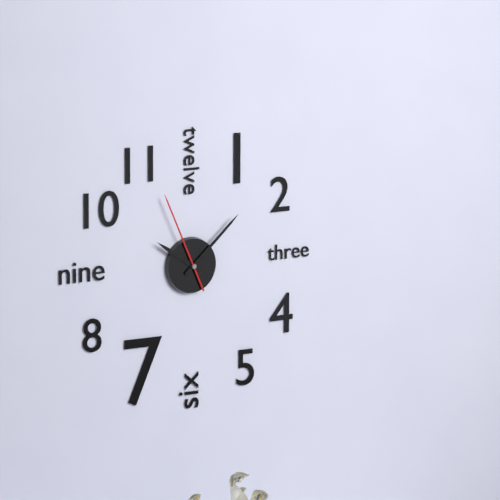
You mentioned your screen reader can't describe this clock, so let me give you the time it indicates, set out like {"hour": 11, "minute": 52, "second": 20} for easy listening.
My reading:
{"hour": 10, "minute": 8, "second": 56}
